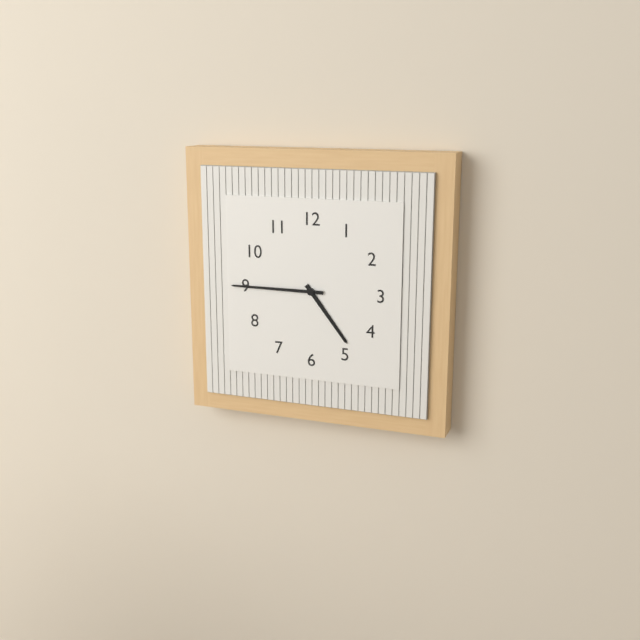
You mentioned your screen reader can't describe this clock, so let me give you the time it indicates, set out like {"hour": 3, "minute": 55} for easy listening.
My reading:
{"hour": 4, "minute": 45}
